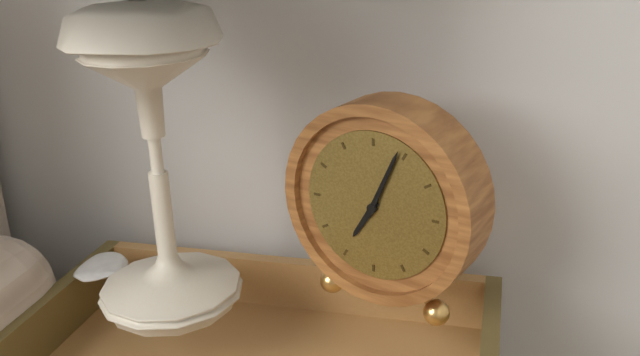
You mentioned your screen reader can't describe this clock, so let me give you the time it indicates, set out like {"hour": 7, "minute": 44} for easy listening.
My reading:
{"hour": 7, "minute": 4}
